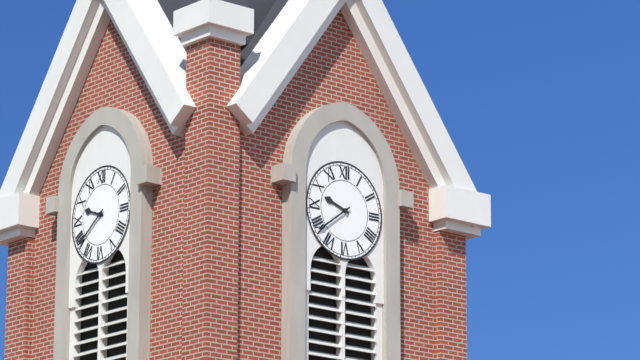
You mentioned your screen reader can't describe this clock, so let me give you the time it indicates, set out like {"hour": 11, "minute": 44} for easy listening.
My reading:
{"hour": 9, "minute": 39}
